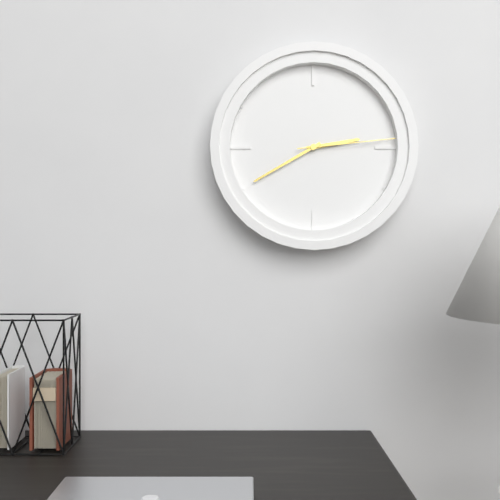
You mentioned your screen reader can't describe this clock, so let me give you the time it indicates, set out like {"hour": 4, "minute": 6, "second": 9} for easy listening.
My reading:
{"hour": 2, "minute": 40, "second": 14}
